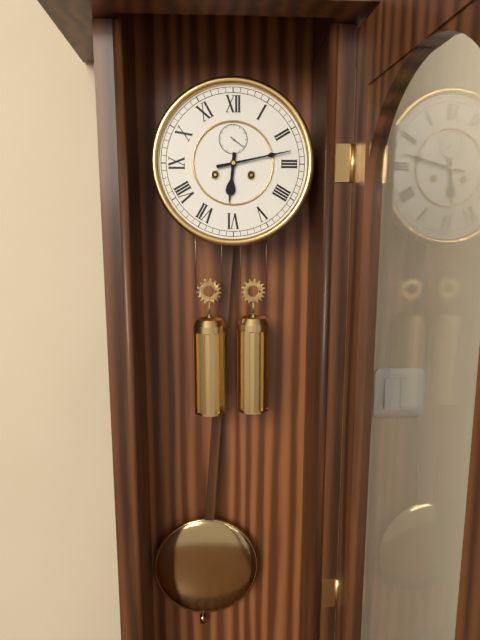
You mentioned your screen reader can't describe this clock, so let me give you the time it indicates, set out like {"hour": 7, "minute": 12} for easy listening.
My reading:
{"hour": 6, "minute": 13}
